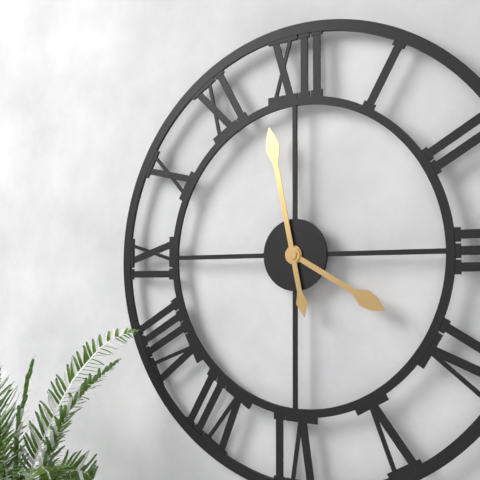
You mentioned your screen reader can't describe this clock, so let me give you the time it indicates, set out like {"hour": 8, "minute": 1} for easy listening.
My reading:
{"hour": 3, "minute": 58}
